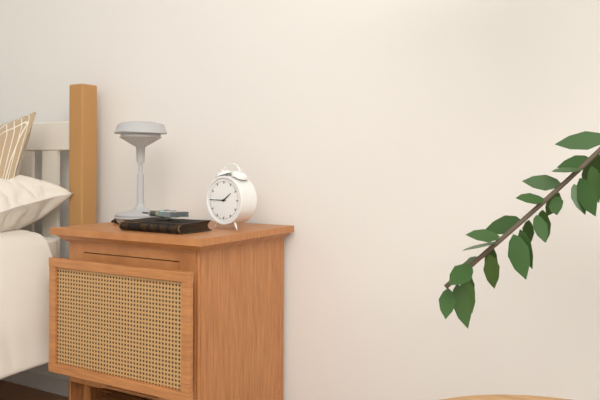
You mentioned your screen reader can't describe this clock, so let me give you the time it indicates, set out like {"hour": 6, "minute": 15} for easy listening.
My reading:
{"hour": 1, "minute": 45}
